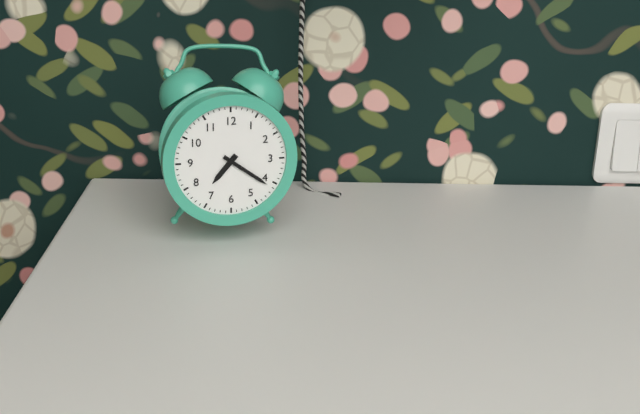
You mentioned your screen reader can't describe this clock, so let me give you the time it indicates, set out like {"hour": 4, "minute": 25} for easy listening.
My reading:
{"hour": 7, "minute": 21}
